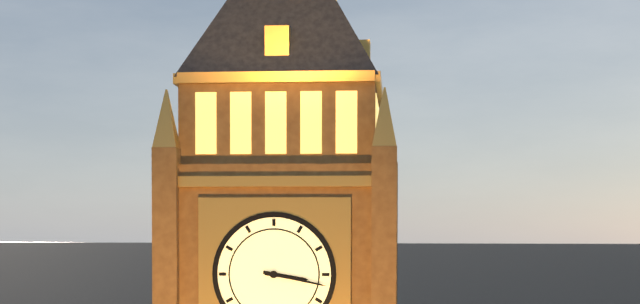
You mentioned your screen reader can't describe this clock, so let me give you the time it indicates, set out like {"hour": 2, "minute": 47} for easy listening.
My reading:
{"hour": 3, "minute": 17}
